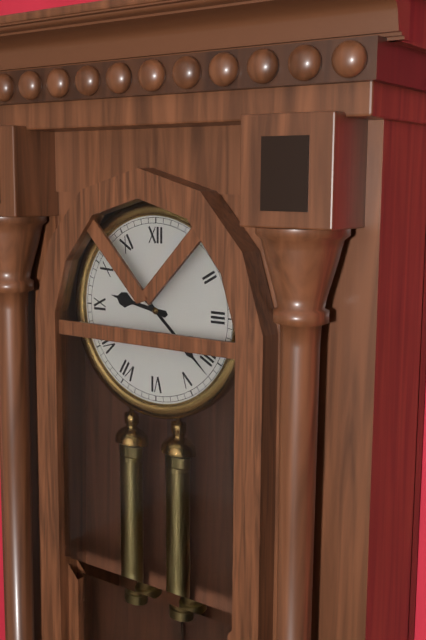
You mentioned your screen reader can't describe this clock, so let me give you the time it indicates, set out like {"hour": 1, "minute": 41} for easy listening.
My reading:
{"hour": 9, "minute": 22}
